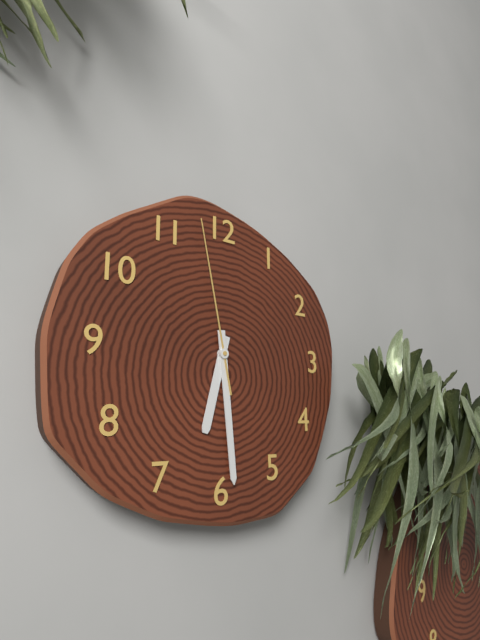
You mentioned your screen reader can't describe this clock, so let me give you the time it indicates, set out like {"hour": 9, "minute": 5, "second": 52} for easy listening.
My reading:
{"hour": 6, "minute": 29, "second": 58}
